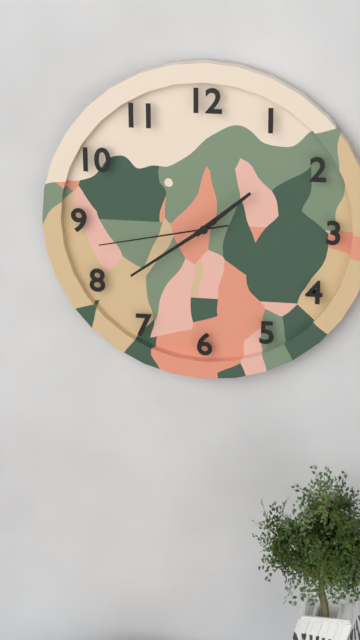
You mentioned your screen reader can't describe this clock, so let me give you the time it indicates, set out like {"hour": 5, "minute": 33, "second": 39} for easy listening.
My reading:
{"hour": 1, "minute": 39, "second": 43}
